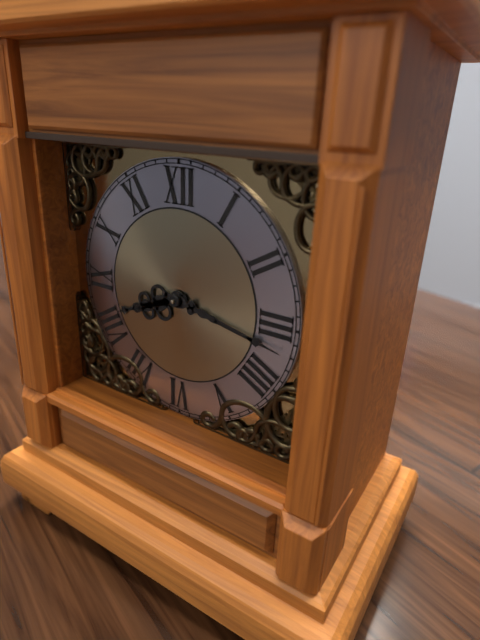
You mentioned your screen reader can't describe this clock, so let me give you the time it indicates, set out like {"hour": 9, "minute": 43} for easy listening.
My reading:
{"hour": 8, "minute": 17}
